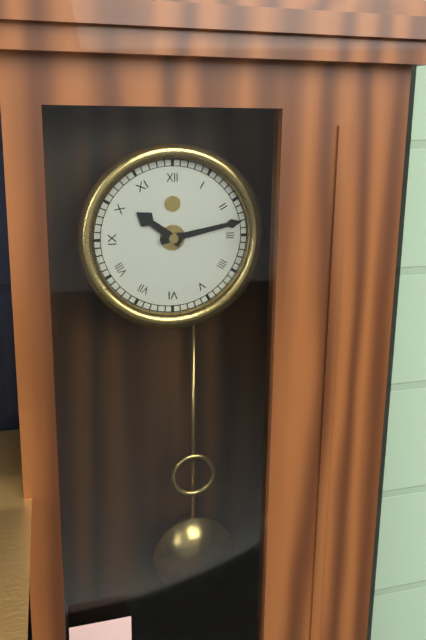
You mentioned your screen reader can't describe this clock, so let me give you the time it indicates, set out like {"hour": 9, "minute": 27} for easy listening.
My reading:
{"hour": 10, "minute": 13}
